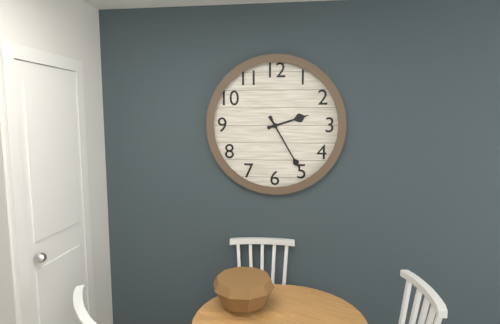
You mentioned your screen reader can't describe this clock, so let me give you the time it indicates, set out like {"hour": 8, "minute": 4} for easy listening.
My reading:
{"hour": 2, "minute": 25}
